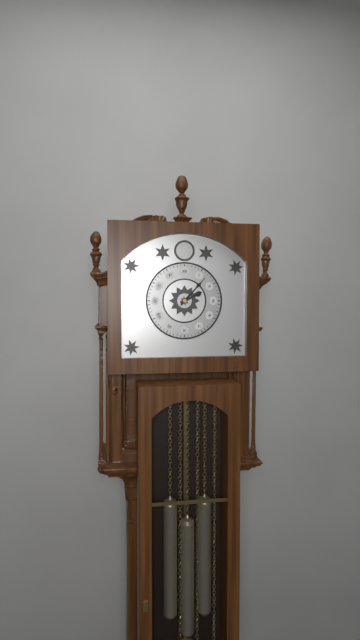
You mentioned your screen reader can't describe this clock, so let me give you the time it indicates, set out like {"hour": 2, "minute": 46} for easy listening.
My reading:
{"hour": 2, "minute": 7}
